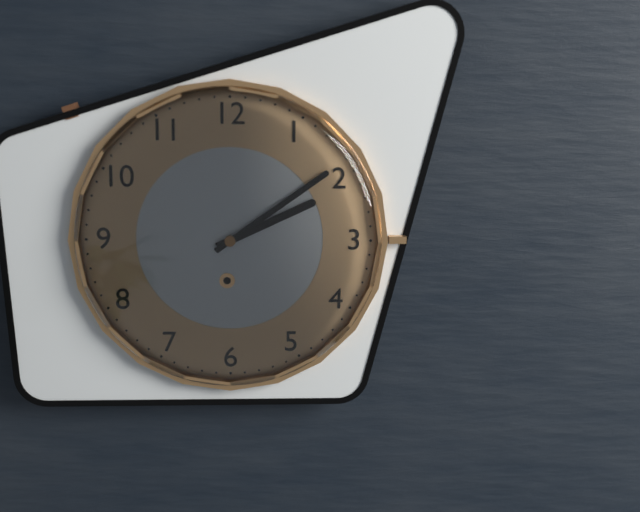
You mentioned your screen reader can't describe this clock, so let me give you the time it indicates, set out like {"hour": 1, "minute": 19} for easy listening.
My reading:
{"hour": 2, "minute": 9}
